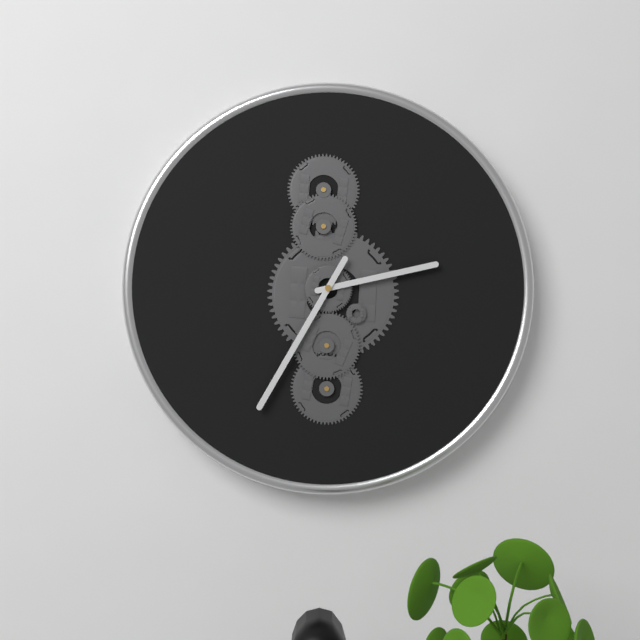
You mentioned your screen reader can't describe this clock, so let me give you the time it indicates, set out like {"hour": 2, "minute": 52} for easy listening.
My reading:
{"hour": 2, "minute": 35}
